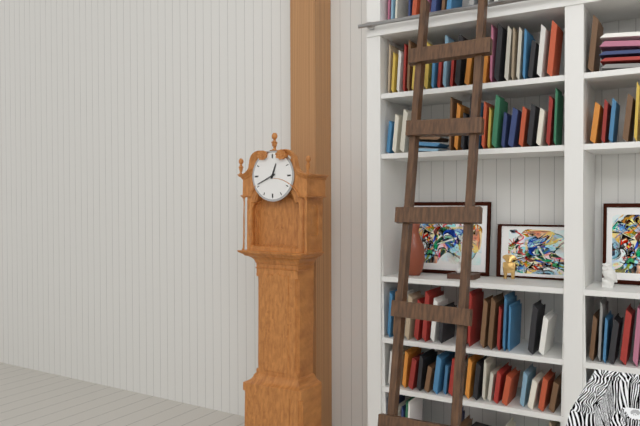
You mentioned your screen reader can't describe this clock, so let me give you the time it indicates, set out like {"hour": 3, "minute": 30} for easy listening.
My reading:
{"hour": 12, "minute": 41}
